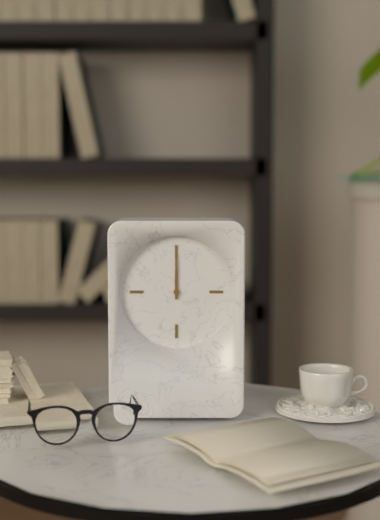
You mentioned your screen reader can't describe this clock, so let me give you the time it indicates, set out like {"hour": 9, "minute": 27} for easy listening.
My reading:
{"hour": 12, "minute": 0}
